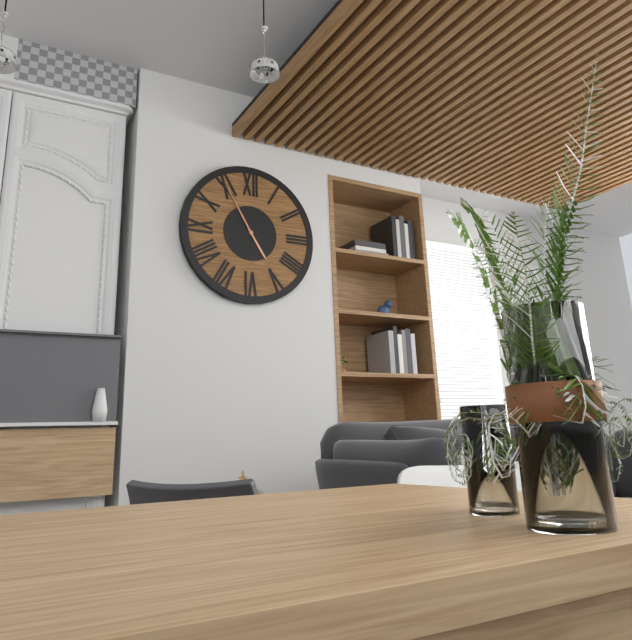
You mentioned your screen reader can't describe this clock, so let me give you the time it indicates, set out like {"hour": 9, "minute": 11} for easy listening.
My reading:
{"hour": 4, "minute": 55}
